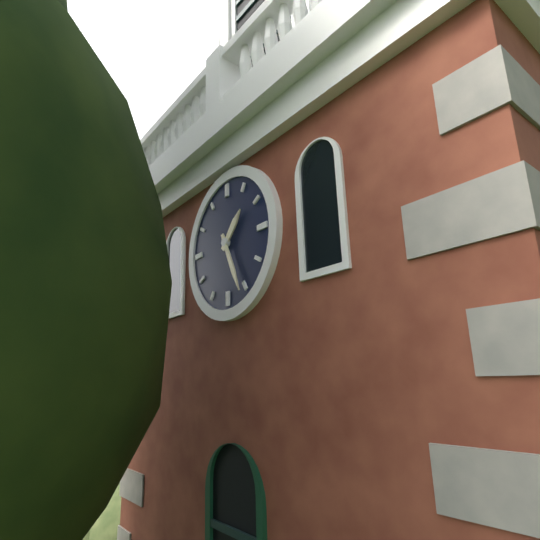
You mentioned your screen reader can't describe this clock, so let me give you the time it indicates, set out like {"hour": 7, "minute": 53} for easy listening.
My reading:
{"hour": 1, "minute": 26}
